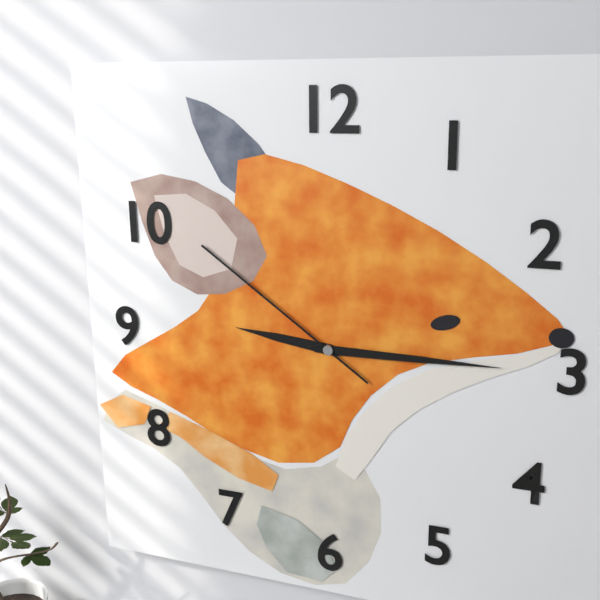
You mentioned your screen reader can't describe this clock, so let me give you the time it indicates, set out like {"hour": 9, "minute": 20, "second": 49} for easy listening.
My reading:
{"hour": 9, "minute": 15, "second": 51}
